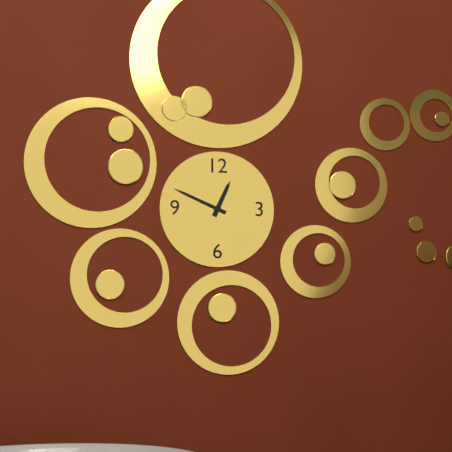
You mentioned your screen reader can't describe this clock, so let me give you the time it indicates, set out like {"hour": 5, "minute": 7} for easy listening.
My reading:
{"hour": 12, "minute": 49}
